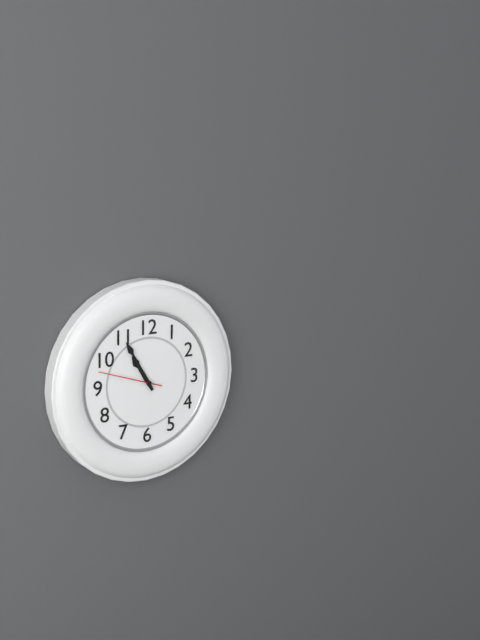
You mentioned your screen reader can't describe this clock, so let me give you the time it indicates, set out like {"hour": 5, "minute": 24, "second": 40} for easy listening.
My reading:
{"hour": 10, "minute": 55, "second": 48}
